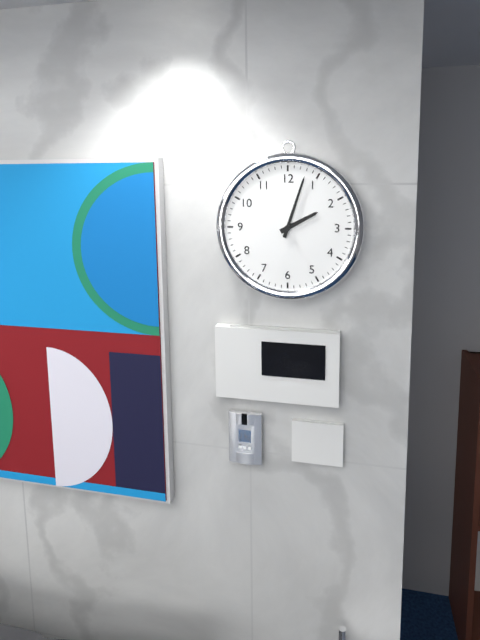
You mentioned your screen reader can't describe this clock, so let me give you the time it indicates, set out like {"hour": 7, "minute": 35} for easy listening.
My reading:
{"hour": 2, "minute": 3}
